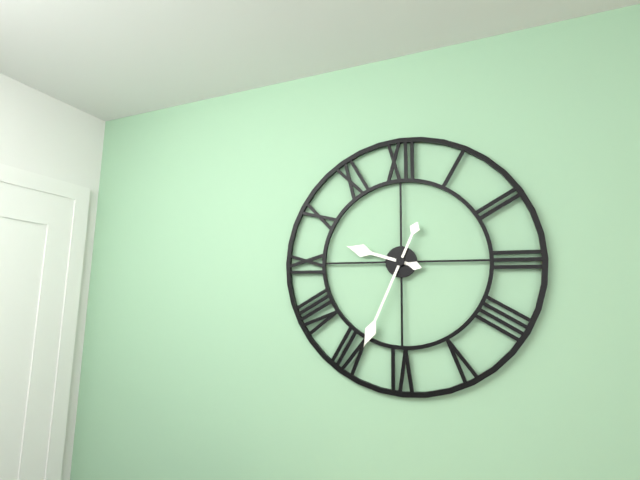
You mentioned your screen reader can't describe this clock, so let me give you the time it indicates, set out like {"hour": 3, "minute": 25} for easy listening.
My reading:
{"hour": 9, "minute": 34}
